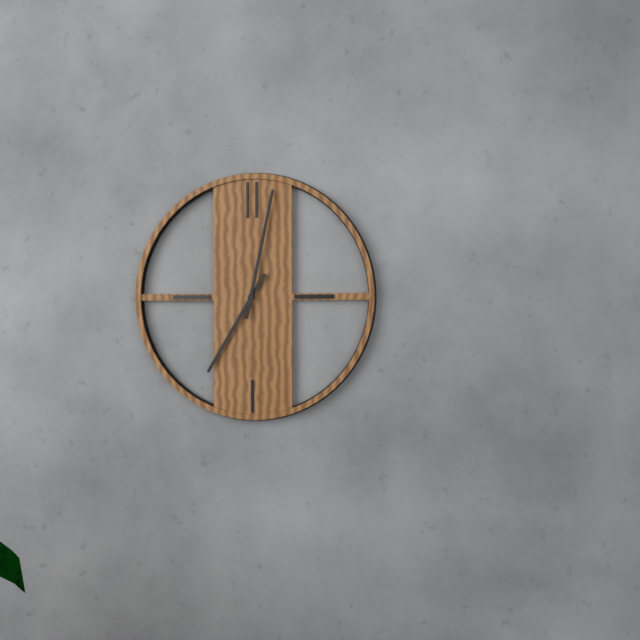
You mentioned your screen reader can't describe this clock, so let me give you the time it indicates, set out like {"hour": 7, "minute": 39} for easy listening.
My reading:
{"hour": 7, "minute": 2}
